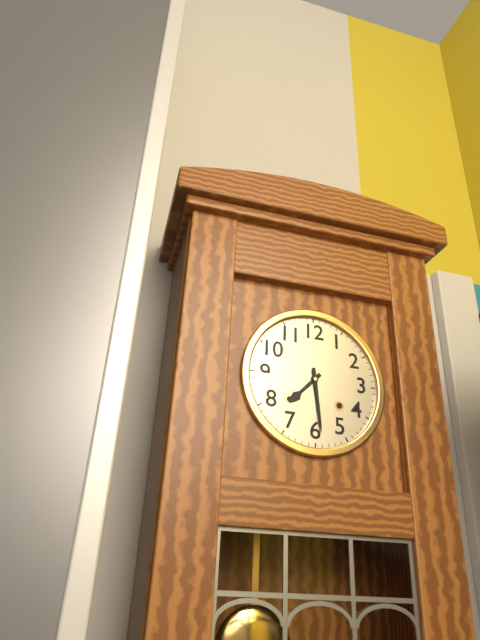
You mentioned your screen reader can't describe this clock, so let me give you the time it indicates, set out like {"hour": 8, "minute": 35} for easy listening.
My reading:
{"hour": 7, "minute": 29}
